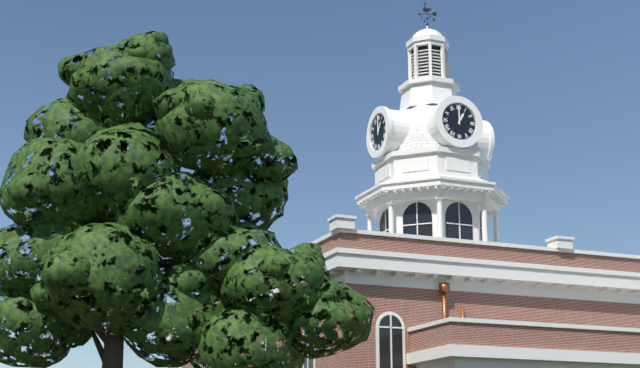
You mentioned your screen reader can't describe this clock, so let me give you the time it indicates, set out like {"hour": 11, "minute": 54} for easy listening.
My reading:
{"hour": 1, "minute": 0}
